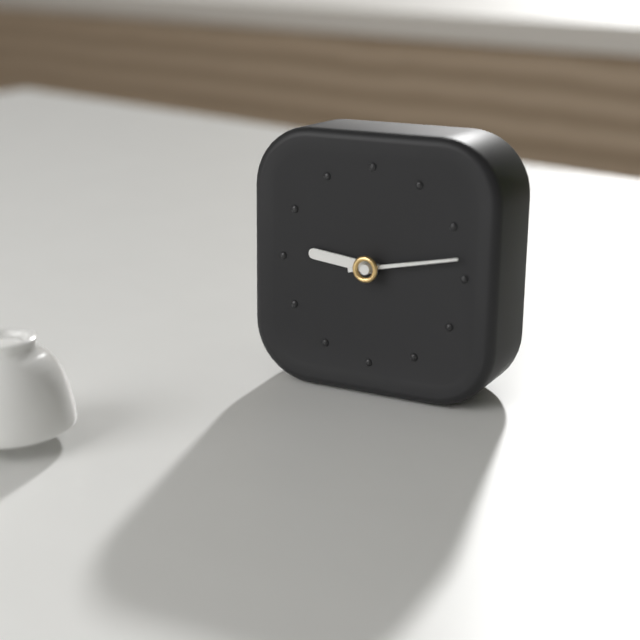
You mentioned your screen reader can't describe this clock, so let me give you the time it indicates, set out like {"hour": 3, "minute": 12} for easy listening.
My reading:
{"hour": 9, "minute": 13}
